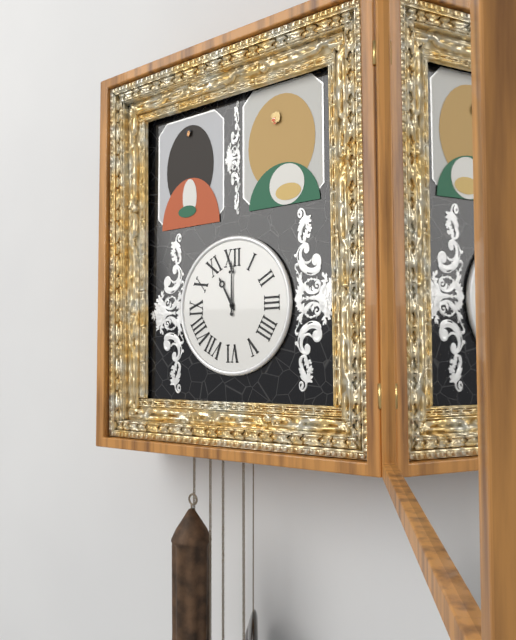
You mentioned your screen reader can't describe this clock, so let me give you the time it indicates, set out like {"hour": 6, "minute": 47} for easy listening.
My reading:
{"hour": 11, "minute": 0}
